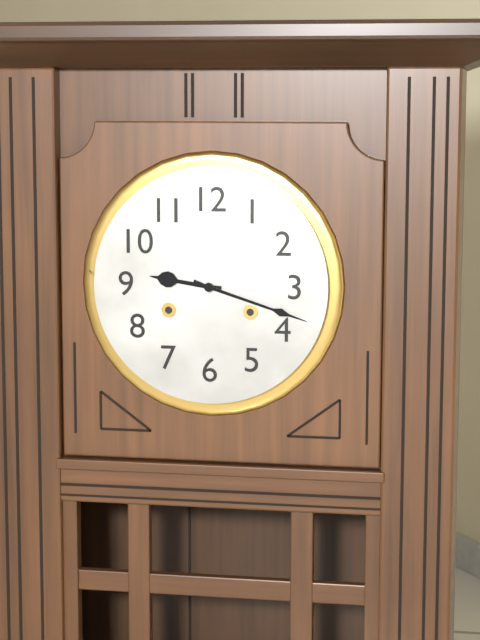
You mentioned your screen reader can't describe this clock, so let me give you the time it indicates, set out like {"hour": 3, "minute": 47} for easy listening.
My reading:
{"hour": 9, "minute": 18}
